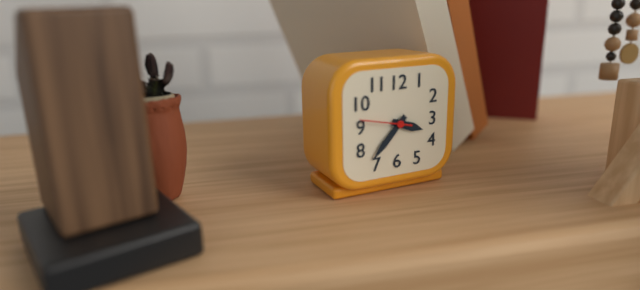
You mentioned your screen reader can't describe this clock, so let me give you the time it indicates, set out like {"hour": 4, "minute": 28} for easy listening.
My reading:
{"hour": 3, "minute": 37}
